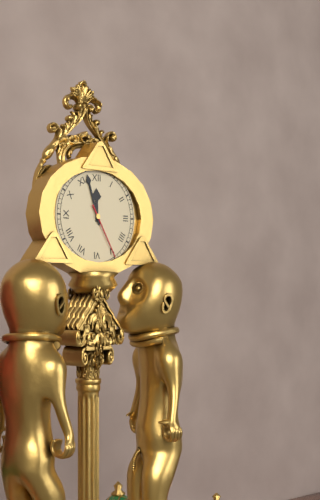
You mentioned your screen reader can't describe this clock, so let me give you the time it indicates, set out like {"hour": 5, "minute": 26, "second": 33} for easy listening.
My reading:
{"hour": 11, "minute": 57, "second": 25}
